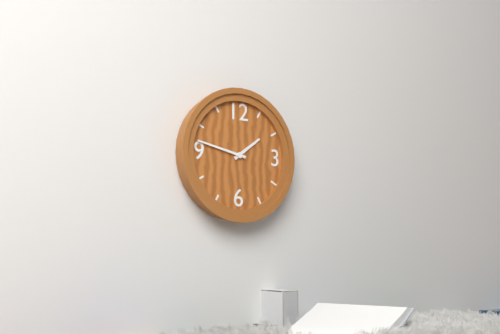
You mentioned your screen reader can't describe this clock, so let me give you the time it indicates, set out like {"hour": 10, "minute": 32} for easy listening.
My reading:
{"hour": 1, "minute": 47}
